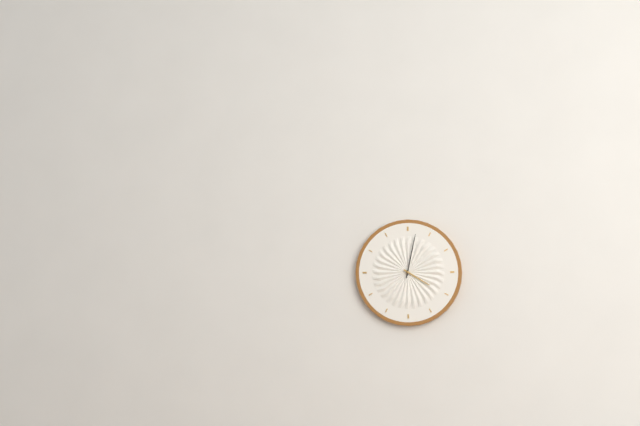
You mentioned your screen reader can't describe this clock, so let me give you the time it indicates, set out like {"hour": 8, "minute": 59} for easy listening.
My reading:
{"hour": 4, "minute": 2}
